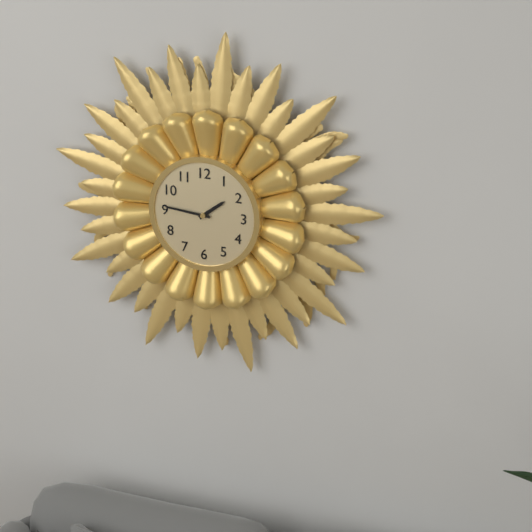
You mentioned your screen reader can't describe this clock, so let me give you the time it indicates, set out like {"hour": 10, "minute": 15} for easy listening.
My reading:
{"hour": 1, "minute": 46}
